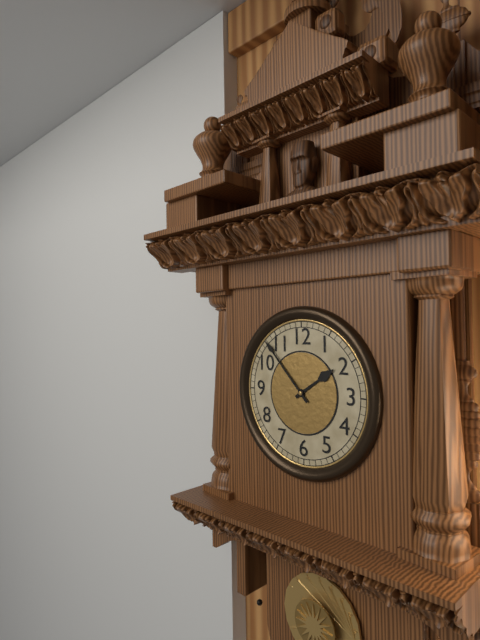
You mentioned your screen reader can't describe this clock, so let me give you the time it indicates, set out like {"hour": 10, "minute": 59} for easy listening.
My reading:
{"hour": 1, "minute": 53}
